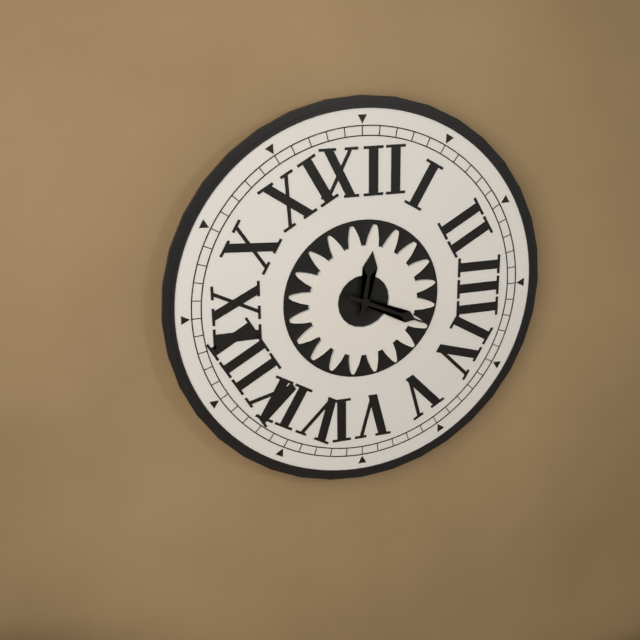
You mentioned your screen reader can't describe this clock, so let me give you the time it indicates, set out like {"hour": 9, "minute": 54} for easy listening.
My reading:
{"hour": 12, "minute": 19}
